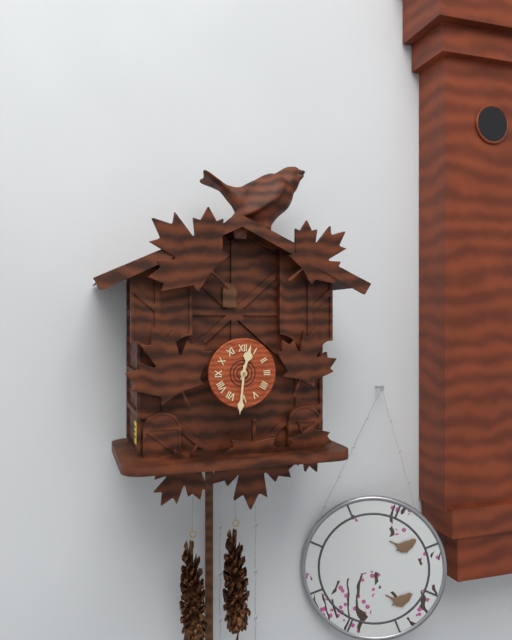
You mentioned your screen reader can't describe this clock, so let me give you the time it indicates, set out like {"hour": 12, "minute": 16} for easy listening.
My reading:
{"hour": 12, "minute": 31}
